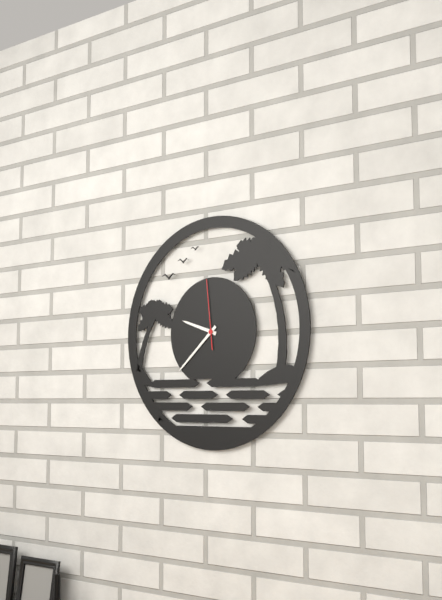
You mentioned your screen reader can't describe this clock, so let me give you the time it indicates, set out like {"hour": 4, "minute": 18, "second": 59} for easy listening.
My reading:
{"hour": 9, "minute": 38, "second": 59}
